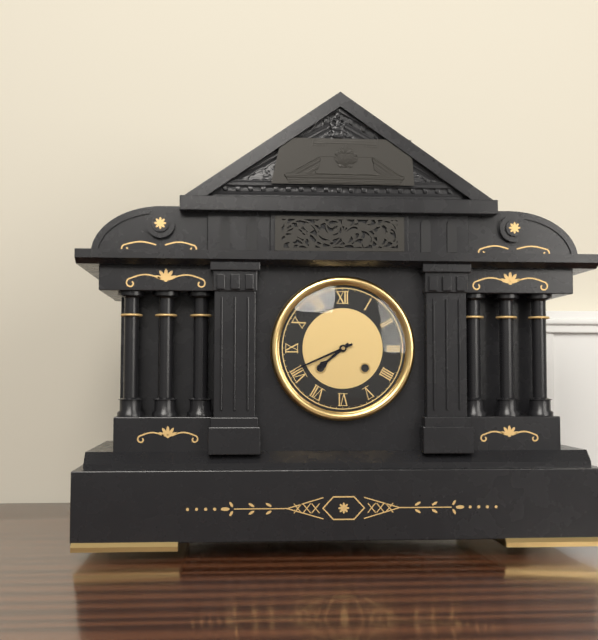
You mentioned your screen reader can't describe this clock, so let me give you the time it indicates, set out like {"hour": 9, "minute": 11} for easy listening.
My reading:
{"hour": 7, "minute": 41}
